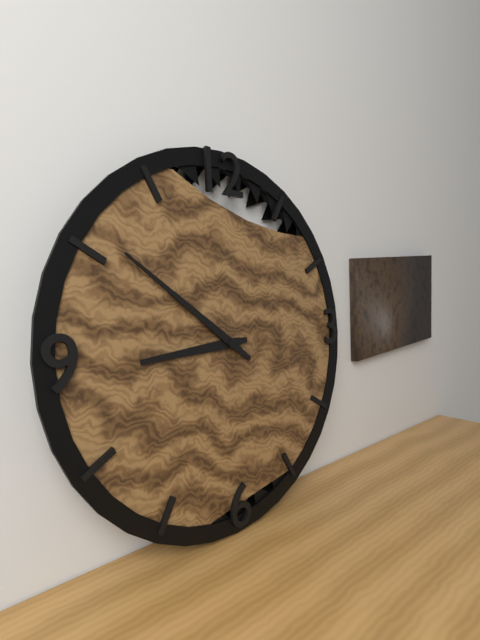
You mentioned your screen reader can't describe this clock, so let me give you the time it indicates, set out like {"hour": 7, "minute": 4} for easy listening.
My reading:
{"hour": 8, "minute": 51}
